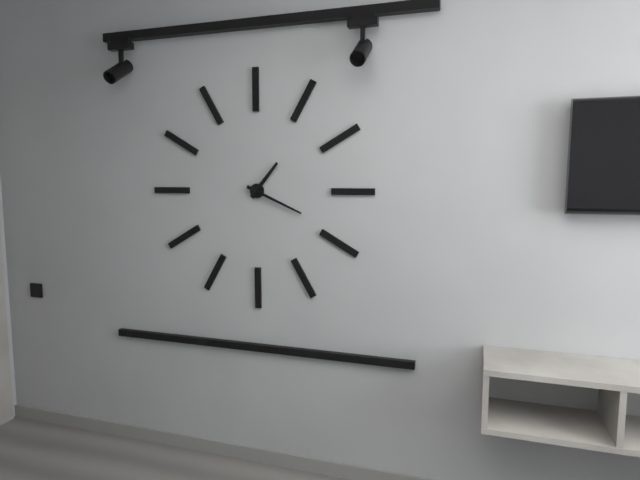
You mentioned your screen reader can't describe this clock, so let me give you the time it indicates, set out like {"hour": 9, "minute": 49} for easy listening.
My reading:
{"hour": 1, "minute": 19}
